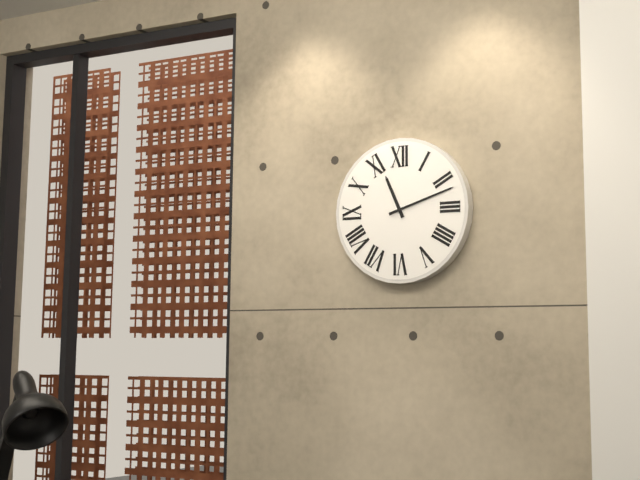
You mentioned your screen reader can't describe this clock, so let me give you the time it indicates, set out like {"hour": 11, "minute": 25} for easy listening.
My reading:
{"hour": 11, "minute": 12}
